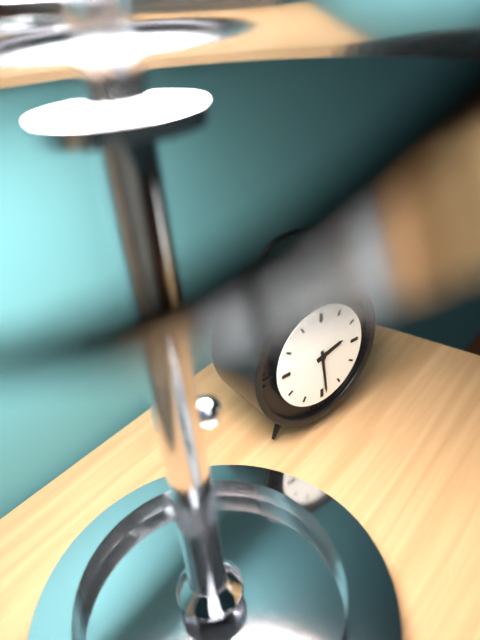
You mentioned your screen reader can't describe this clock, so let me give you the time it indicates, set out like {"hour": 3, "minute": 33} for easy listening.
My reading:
{"hour": 2, "minute": 29}
